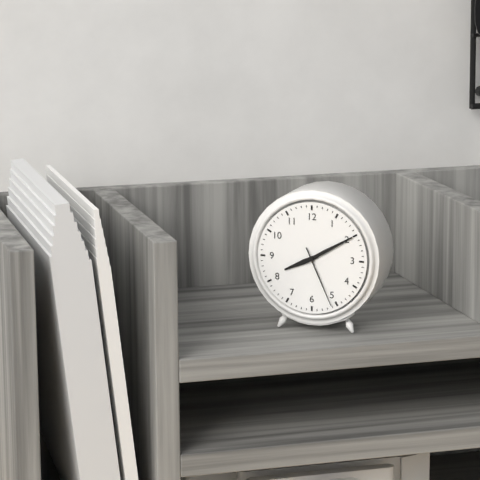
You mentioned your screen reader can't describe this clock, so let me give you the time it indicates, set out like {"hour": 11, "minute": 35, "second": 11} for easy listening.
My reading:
{"hour": 8, "minute": 10, "second": 26}
